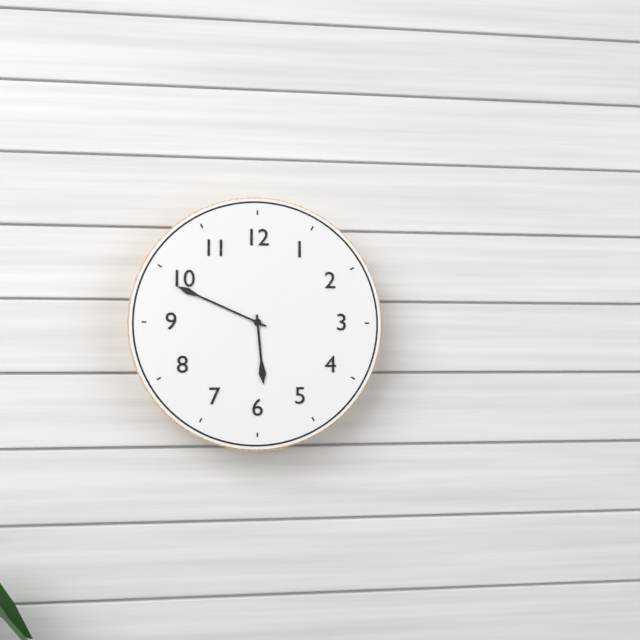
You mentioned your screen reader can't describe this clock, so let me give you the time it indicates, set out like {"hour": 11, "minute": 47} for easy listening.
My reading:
{"hour": 5, "minute": 49}
